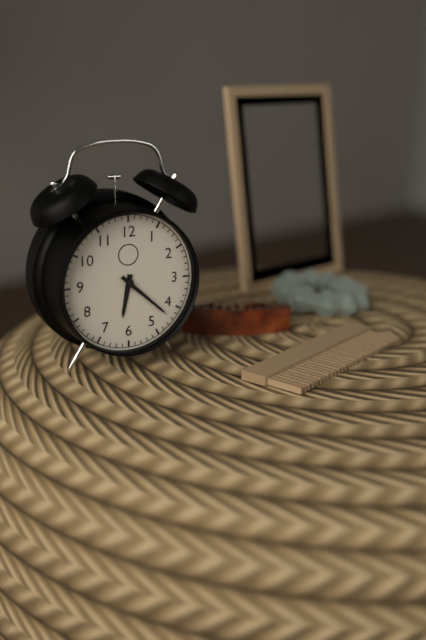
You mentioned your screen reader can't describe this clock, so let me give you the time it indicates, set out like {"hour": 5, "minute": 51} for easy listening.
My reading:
{"hour": 6, "minute": 22}
